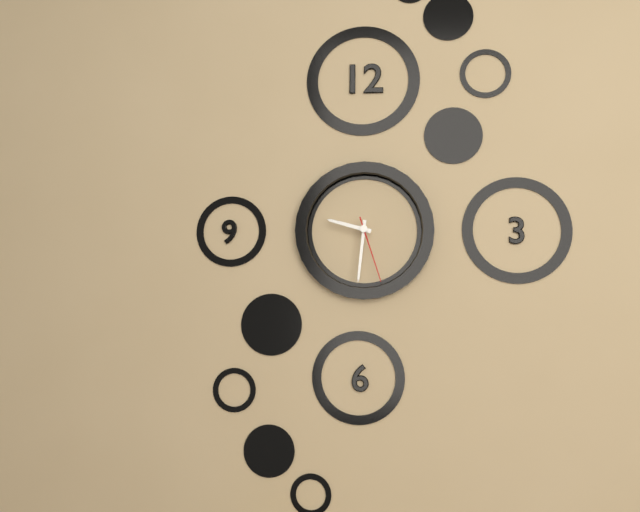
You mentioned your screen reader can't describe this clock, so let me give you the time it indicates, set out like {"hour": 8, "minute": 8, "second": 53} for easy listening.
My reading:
{"hour": 9, "minute": 31, "second": 27}
